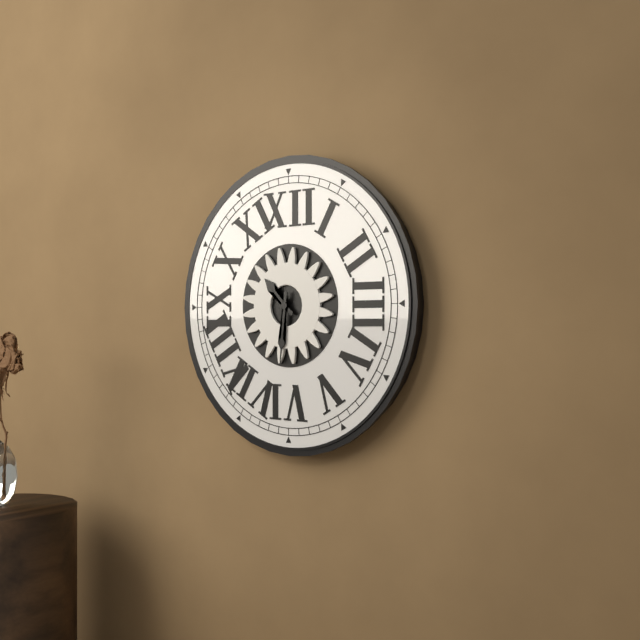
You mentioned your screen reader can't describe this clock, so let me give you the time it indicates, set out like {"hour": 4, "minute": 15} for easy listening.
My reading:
{"hour": 10, "minute": 31}
